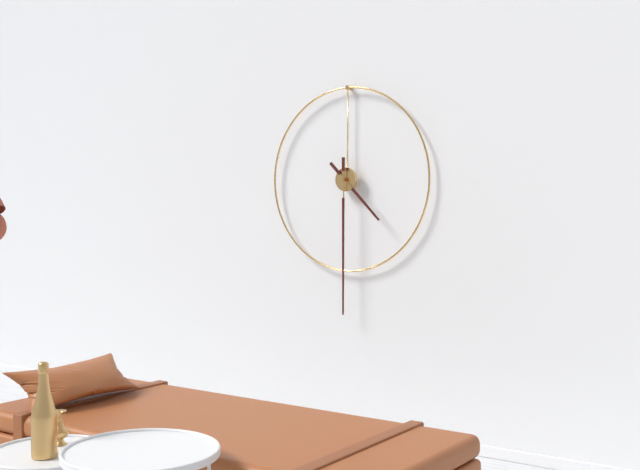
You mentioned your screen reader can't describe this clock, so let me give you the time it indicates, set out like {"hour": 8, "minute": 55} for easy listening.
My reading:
{"hour": 4, "minute": 30}
